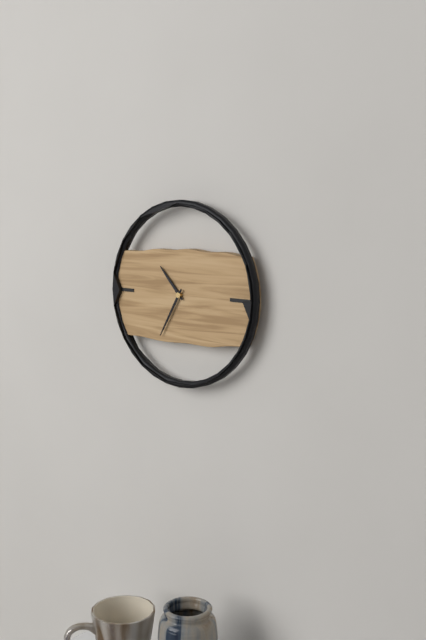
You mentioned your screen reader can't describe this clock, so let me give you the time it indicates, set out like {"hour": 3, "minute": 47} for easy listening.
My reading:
{"hour": 10, "minute": 35}
